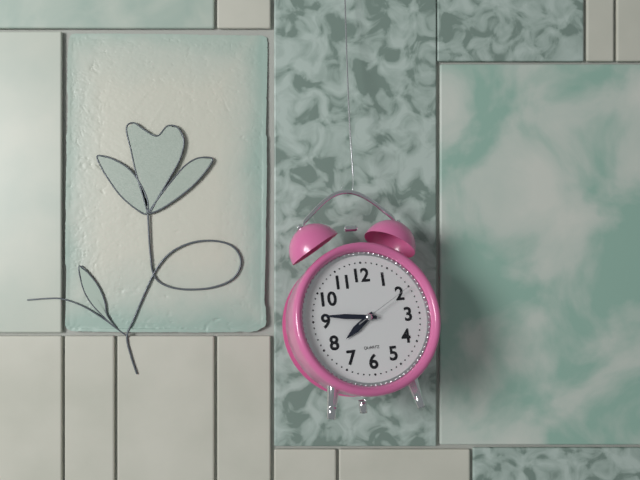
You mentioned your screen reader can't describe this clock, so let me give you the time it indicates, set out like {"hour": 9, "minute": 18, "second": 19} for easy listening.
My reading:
{"hour": 7, "minute": 46, "second": 10}
